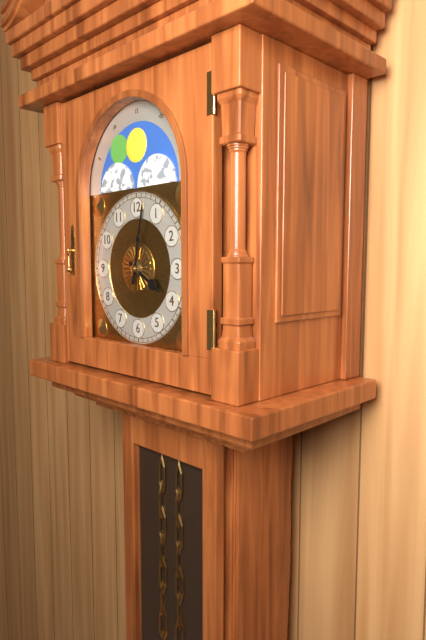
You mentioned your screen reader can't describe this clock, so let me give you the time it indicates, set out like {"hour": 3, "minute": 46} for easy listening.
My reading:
{"hour": 4, "minute": 2}
